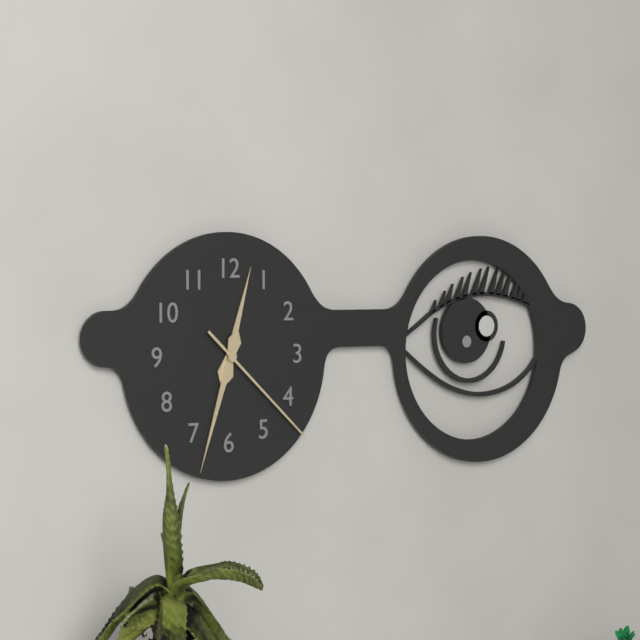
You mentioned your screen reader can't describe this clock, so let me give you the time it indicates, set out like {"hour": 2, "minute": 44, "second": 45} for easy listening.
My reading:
{"hour": 12, "minute": 33, "second": 22}
